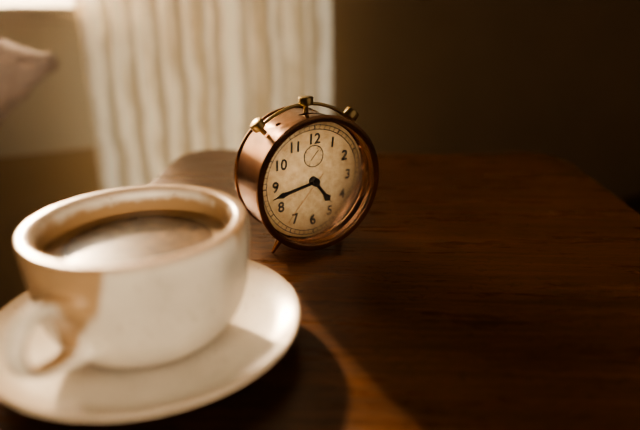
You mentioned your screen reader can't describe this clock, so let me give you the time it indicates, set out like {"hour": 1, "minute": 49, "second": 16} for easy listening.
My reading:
{"hour": 4, "minute": 43, "second": 37}
